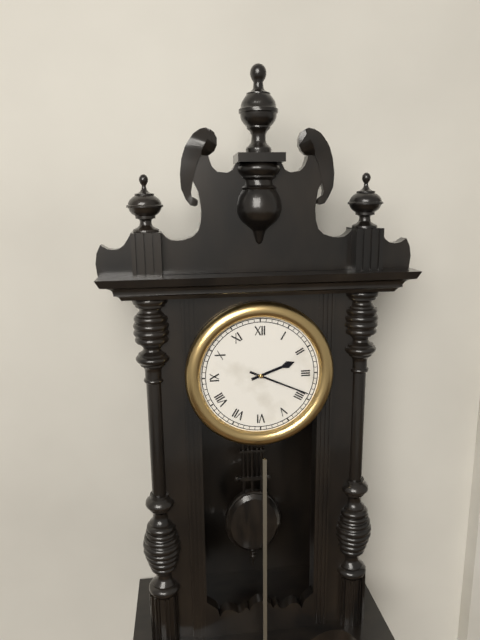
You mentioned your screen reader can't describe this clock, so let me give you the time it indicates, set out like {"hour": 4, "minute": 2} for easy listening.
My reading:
{"hour": 2, "minute": 19}
